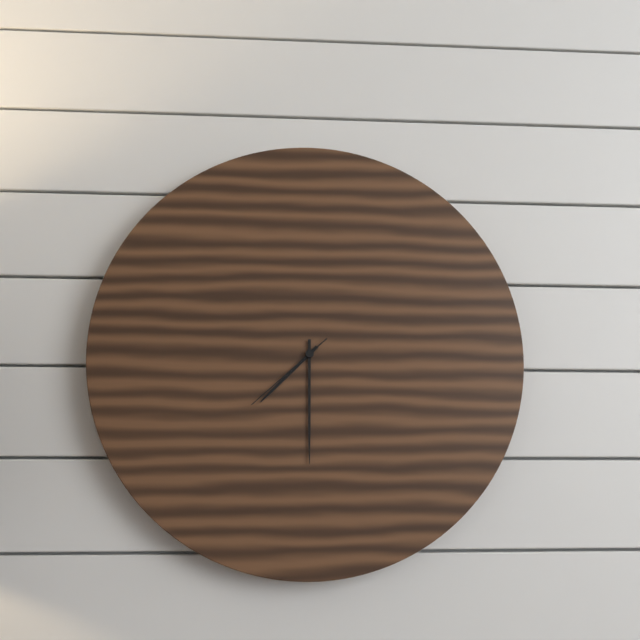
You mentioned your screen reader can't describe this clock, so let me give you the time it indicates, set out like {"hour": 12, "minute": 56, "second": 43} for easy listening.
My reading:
{"hour": 7, "minute": 30, "second": 38}
